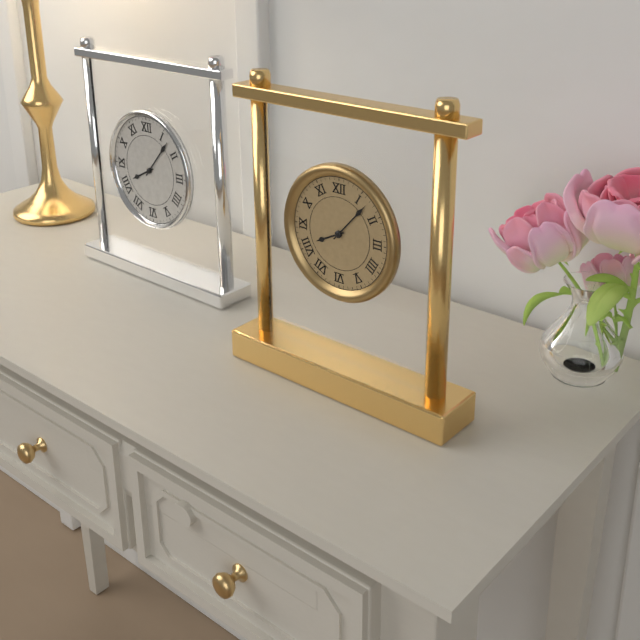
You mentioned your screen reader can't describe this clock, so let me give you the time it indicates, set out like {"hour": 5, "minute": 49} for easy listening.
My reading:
{"hour": 8, "minute": 7}
